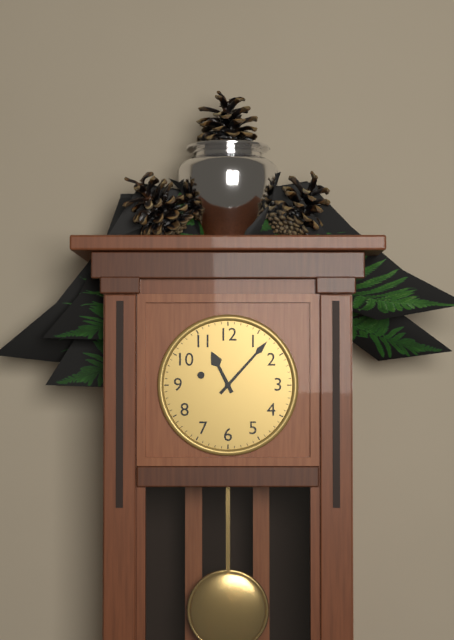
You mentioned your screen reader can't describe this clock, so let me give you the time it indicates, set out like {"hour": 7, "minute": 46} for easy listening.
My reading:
{"hour": 11, "minute": 7}
